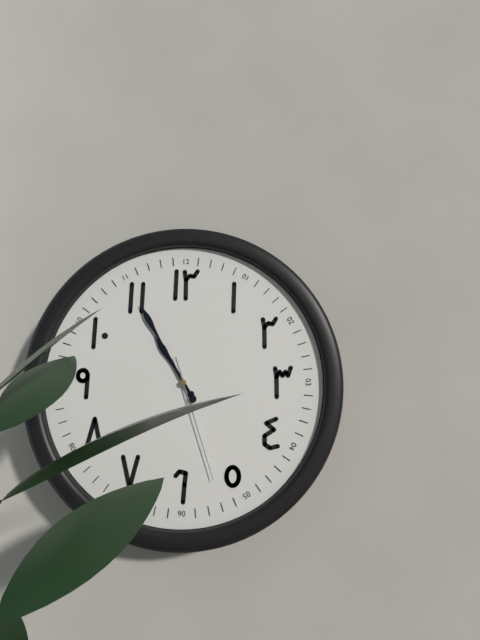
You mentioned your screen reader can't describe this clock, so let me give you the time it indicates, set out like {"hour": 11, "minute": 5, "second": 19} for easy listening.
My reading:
{"hour": 10, "minute": 55, "second": 27}
